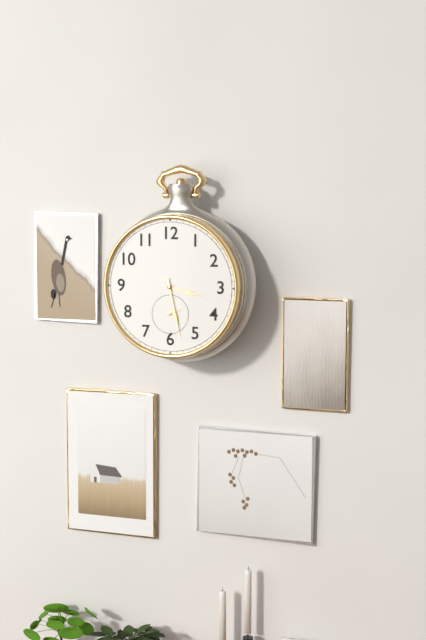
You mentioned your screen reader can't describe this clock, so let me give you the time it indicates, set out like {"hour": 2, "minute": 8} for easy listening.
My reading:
{"hour": 3, "minute": 28}
